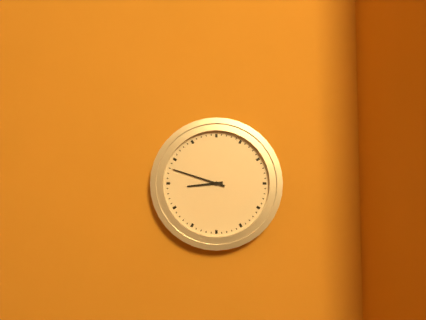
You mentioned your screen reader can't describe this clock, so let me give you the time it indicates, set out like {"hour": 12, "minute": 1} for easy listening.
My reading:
{"hour": 8, "minute": 48}
